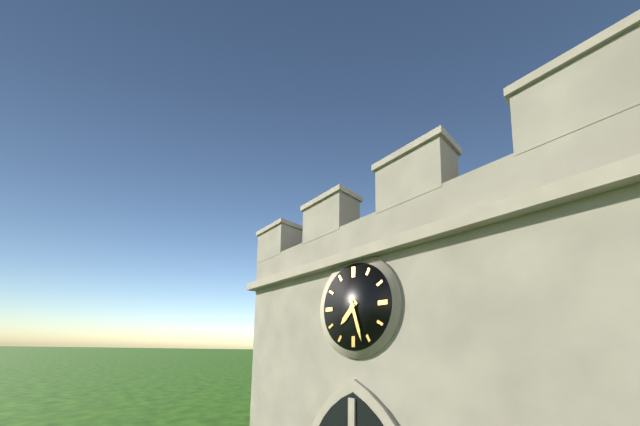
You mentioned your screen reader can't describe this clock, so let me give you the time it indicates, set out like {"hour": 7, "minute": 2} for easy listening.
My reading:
{"hour": 7, "minute": 27}
